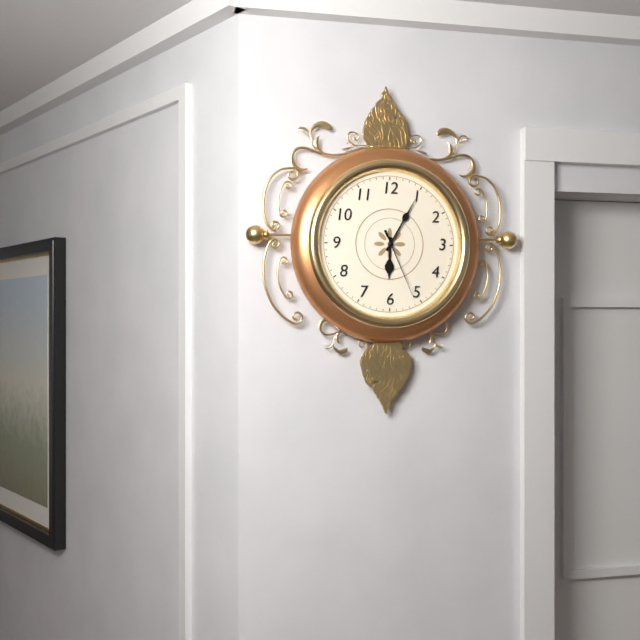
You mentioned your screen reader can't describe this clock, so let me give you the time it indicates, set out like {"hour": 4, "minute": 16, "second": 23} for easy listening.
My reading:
{"hour": 6, "minute": 5, "second": 26}
